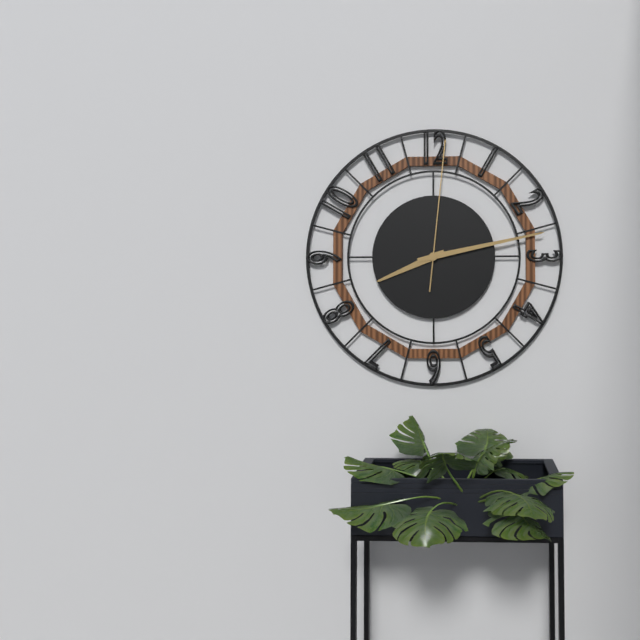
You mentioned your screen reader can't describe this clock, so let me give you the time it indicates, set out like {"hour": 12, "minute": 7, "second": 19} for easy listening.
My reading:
{"hour": 8, "minute": 13, "second": 1}
